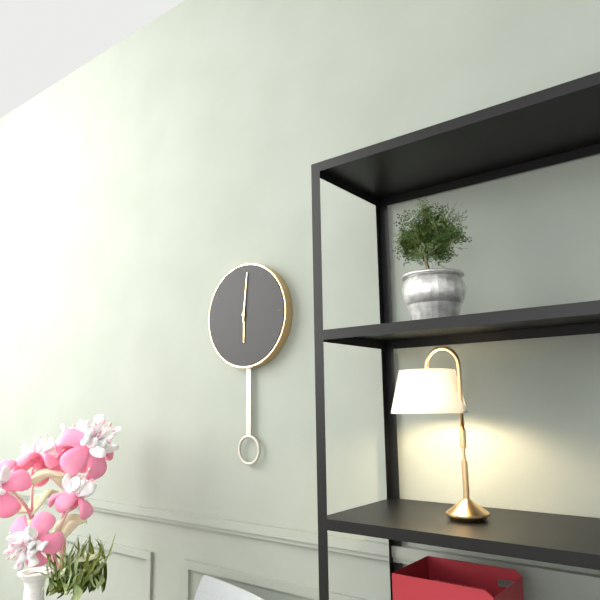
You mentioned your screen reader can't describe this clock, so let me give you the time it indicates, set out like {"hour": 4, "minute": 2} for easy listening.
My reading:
{"hour": 6, "minute": 1}
